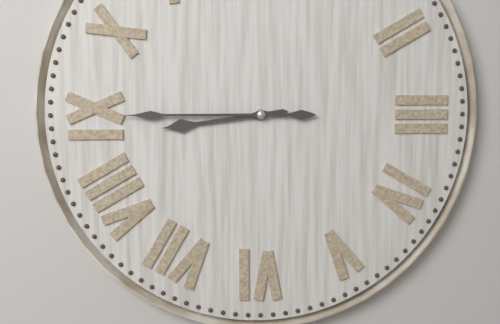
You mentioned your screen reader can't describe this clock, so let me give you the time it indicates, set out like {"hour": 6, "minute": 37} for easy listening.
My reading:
{"hour": 8, "minute": 45}
